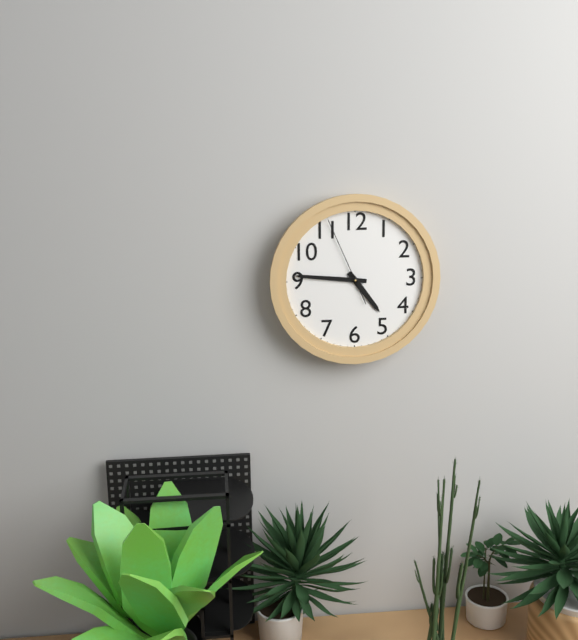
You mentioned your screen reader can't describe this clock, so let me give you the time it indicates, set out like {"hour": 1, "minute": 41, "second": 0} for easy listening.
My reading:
{"hour": 4, "minute": 46, "second": 56}
